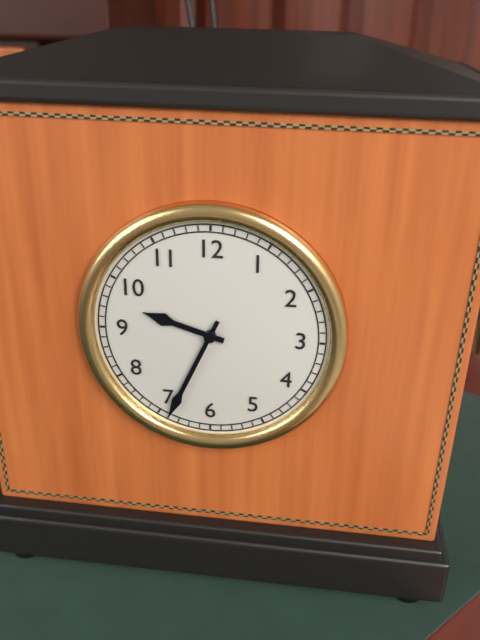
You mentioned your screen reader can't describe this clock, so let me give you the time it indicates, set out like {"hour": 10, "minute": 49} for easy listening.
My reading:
{"hour": 9, "minute": 34}
